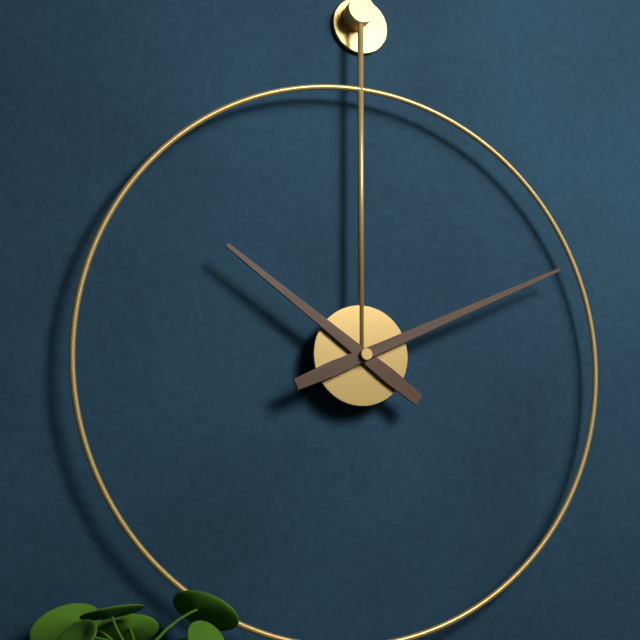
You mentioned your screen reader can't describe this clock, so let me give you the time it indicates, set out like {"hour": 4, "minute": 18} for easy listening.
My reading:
{"hour": 10, "minute": 11}
